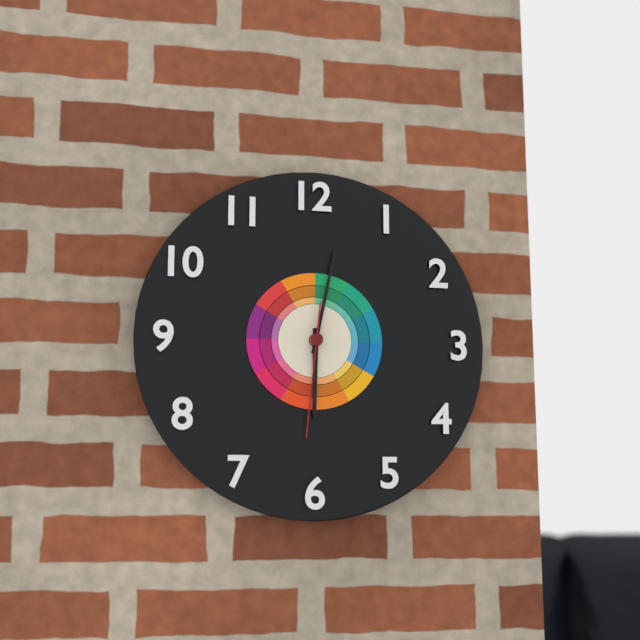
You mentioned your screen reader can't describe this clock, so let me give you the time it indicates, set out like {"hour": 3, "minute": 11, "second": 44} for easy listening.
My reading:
{"hour": 6, "minute": 2, "second": 31}
